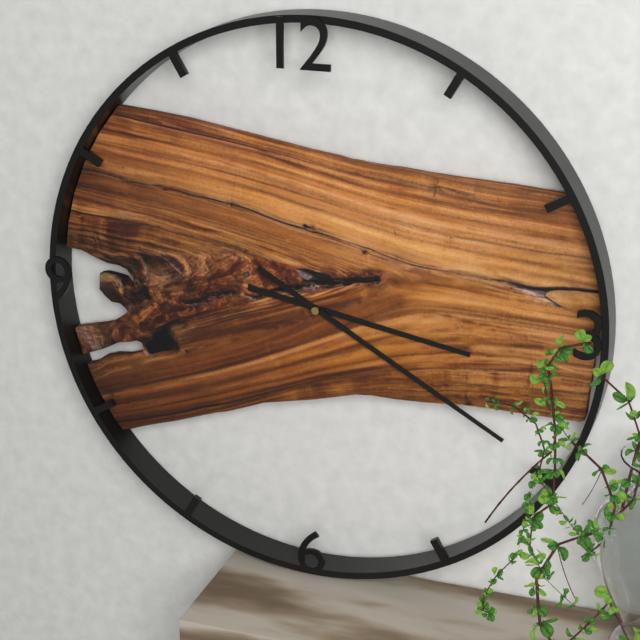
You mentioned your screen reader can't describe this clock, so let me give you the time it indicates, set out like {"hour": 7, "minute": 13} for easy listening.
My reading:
{"hour": 3, "minute": 20}
